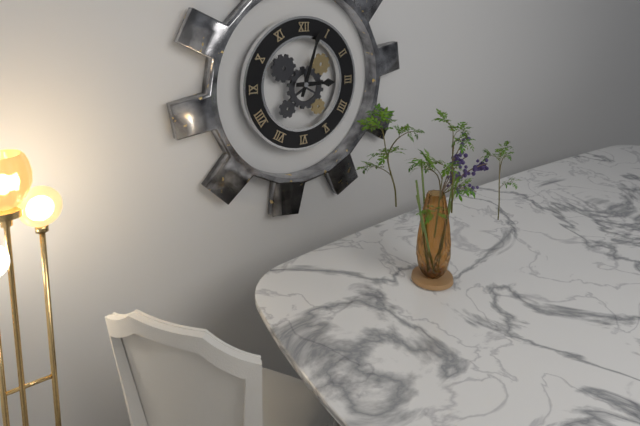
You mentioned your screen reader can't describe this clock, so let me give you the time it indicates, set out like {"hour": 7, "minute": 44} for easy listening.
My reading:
{"hour": 3, "minute": 3}
